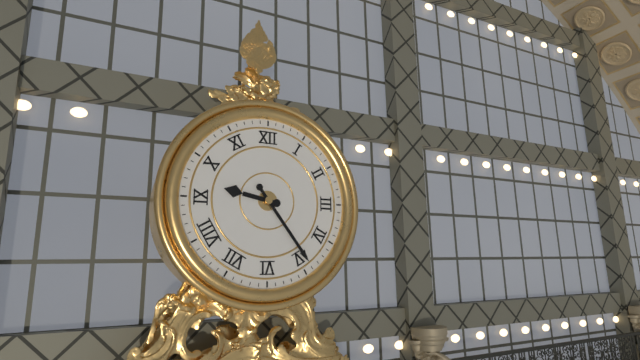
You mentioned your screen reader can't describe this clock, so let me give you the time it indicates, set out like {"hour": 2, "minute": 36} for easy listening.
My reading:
{"hour": 9, "minute": 24}
